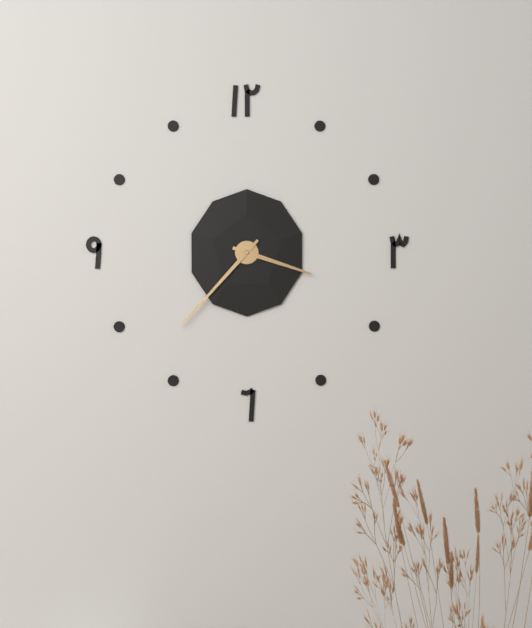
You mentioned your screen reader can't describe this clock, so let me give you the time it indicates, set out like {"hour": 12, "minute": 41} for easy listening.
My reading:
{"hour": 3, "minute": 37}
